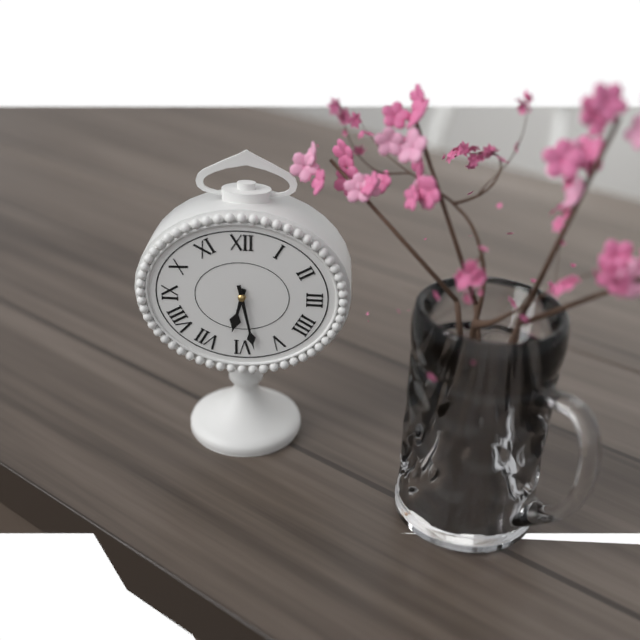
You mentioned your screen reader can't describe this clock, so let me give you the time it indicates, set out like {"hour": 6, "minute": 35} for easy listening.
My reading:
{"hour": 6, "minute": 28}
